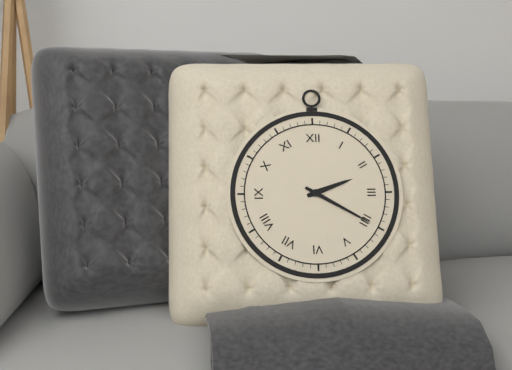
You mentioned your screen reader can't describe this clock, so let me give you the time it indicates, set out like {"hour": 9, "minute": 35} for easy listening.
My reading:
{"hour": 2, "minute": 20}
